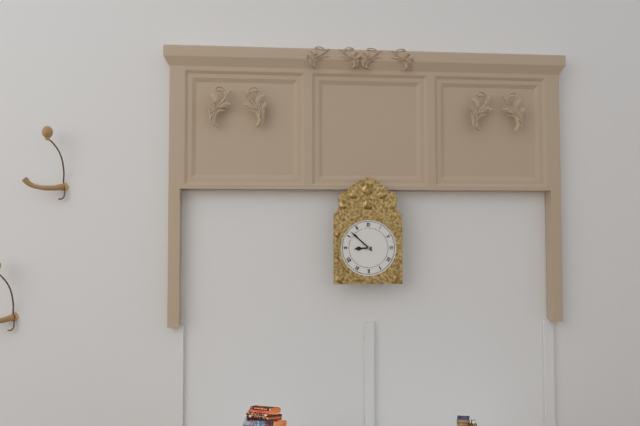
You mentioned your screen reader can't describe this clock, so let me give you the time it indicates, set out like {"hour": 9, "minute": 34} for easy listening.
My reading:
{"hour": 8, "minute": 52}
